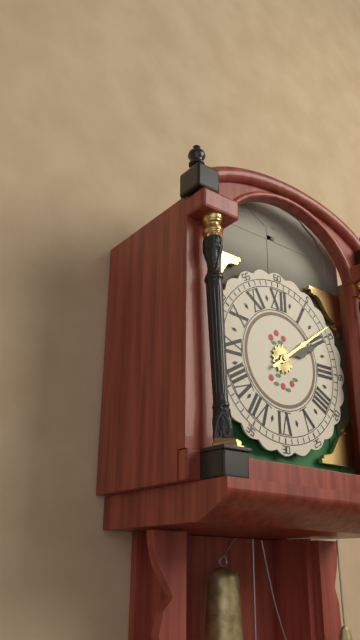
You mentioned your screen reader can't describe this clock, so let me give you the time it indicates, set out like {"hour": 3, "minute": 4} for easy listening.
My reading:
{"hour": 2, "minute": 9}
